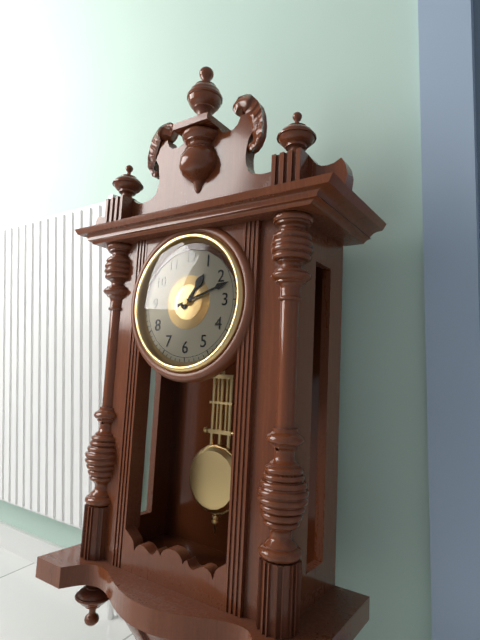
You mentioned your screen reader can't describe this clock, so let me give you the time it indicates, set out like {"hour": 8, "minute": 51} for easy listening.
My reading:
{"hour": 1, "minute": 12}
